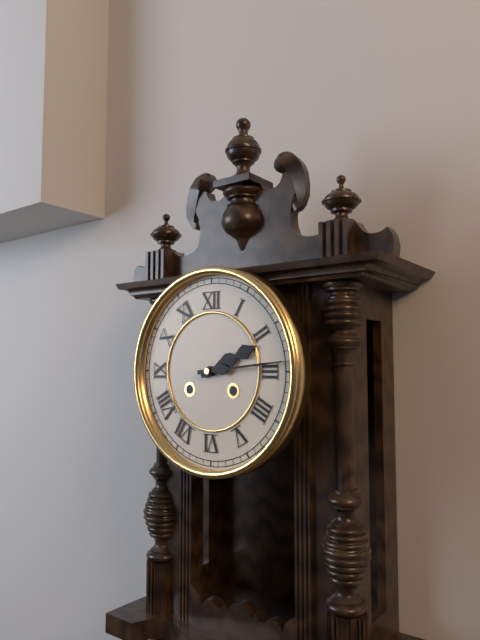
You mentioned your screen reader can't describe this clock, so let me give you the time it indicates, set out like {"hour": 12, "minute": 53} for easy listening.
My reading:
{"hour": 2, "minute": 14}
